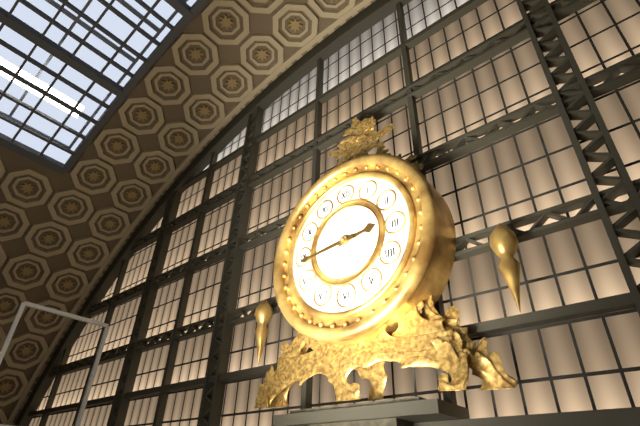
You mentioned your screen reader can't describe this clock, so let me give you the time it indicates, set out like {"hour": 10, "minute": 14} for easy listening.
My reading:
{"hour": 2, "minute": 44}
